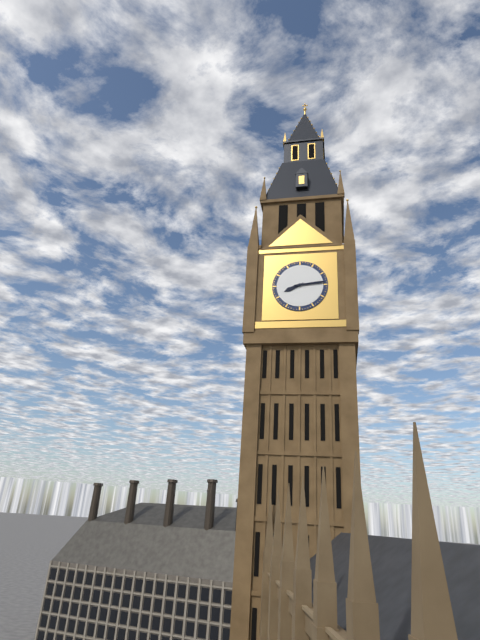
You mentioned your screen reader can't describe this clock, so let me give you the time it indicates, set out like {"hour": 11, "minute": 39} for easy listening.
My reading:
{"hour": 8, "minute": 14}
